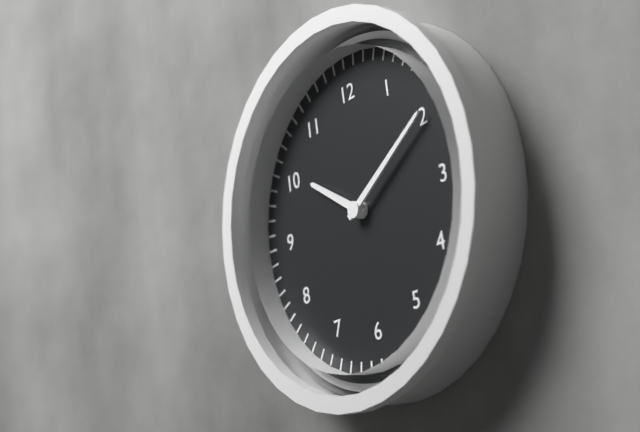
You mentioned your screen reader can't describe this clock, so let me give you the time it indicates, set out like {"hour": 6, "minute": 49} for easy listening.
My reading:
{"hour": 10, "minute": 10}
